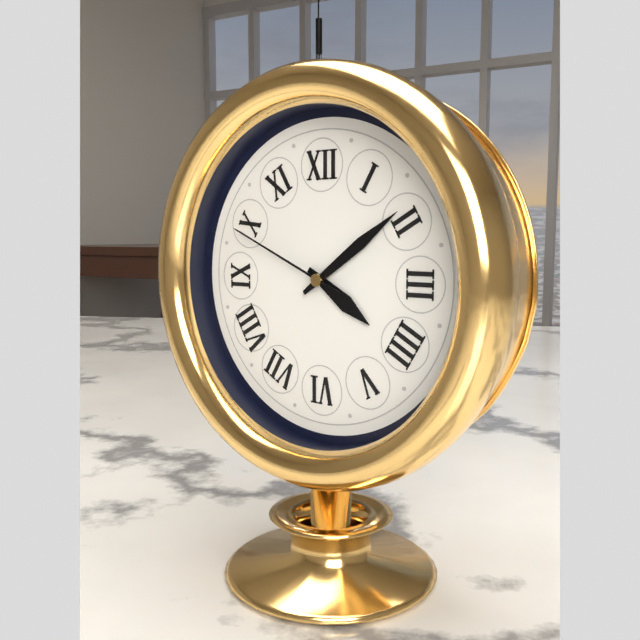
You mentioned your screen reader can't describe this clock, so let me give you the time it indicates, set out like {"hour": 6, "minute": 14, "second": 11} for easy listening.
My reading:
{"hour": 4, "minute": 9, "second": 49}
